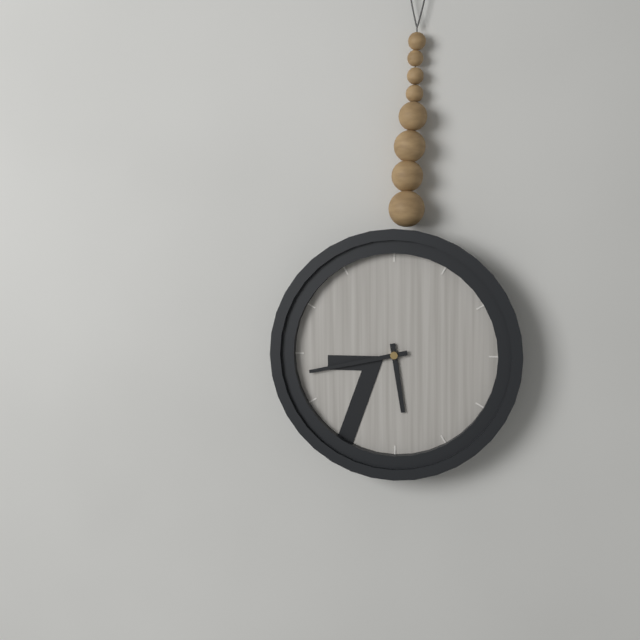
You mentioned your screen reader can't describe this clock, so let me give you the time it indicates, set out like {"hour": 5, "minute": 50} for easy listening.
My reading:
{"hour": 5, "minute": 43}
